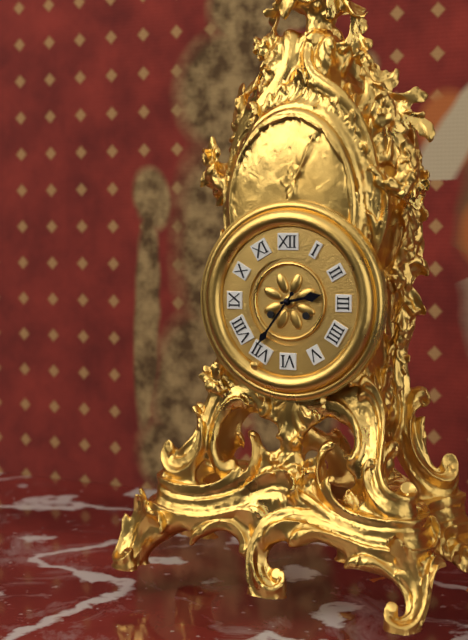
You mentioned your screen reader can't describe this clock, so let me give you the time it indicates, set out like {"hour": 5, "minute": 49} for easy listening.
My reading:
{"hour": 2, "minute": 36}
